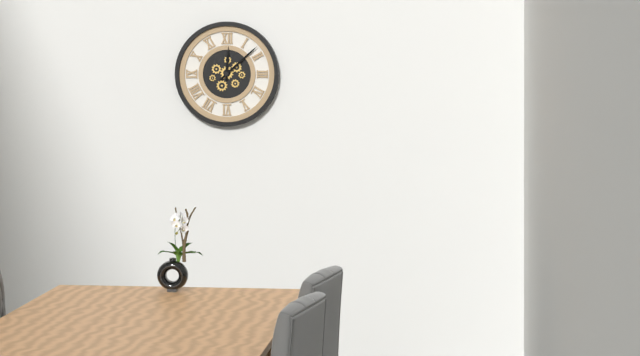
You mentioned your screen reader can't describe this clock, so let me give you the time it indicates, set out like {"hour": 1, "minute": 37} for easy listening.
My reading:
{"hour": 12, "minute": 8}
